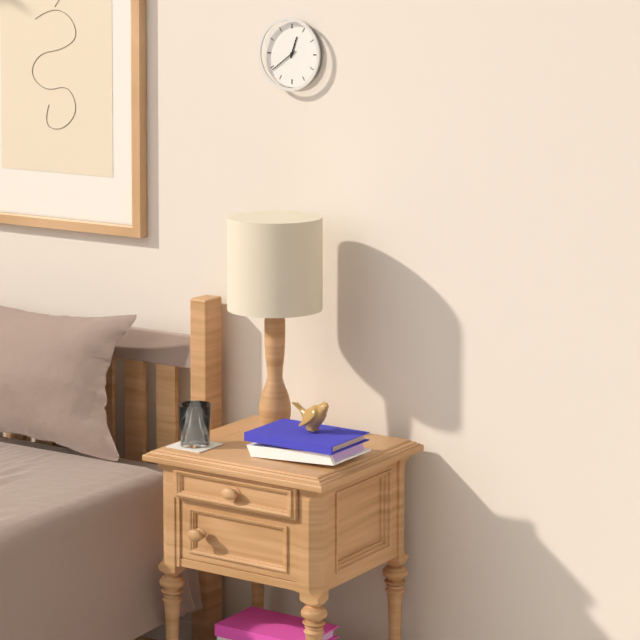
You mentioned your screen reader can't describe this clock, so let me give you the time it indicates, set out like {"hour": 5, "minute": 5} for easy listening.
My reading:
{"hour": 12, "minute": 39}
